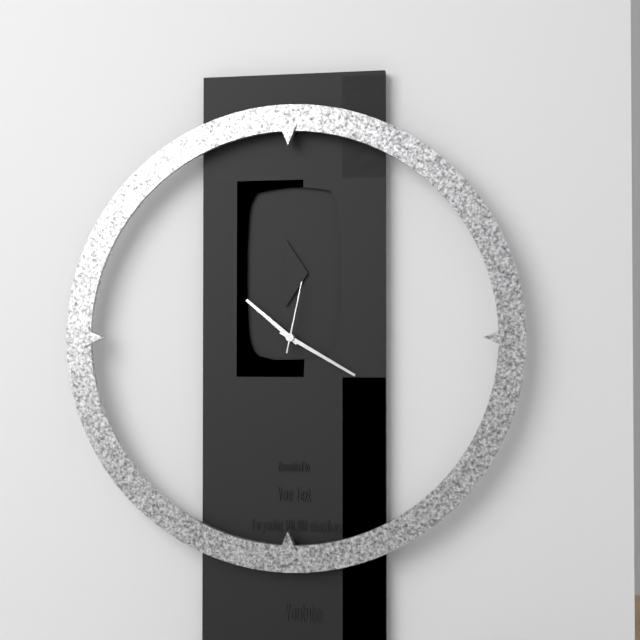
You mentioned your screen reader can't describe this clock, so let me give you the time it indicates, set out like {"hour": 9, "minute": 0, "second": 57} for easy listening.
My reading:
{"hour": 10, "minute": 20, "second": 2}
